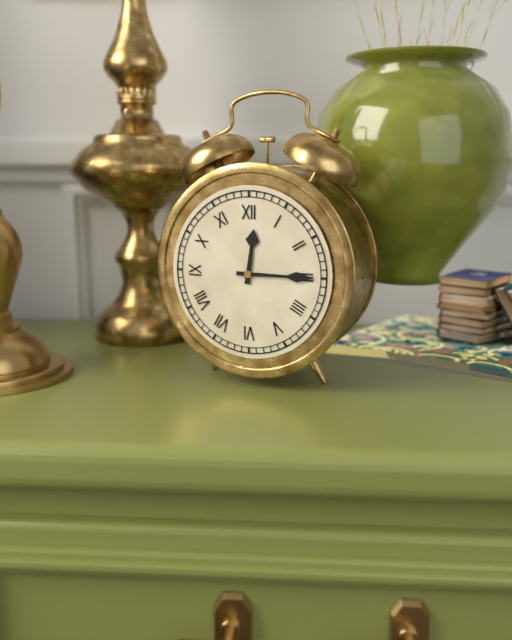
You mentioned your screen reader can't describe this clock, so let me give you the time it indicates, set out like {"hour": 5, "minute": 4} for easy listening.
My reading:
{"hour": 12, "minute": 15}
